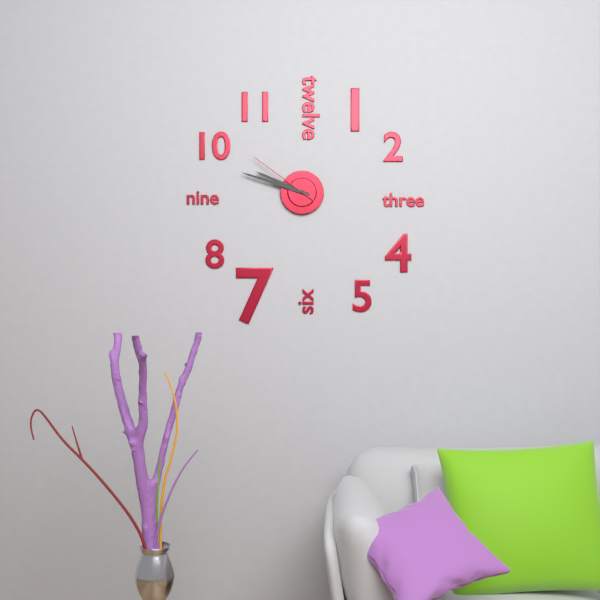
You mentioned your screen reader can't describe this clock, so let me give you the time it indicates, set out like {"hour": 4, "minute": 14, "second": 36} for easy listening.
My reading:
{"hour": 9, "minute": 48, "second": 51}
